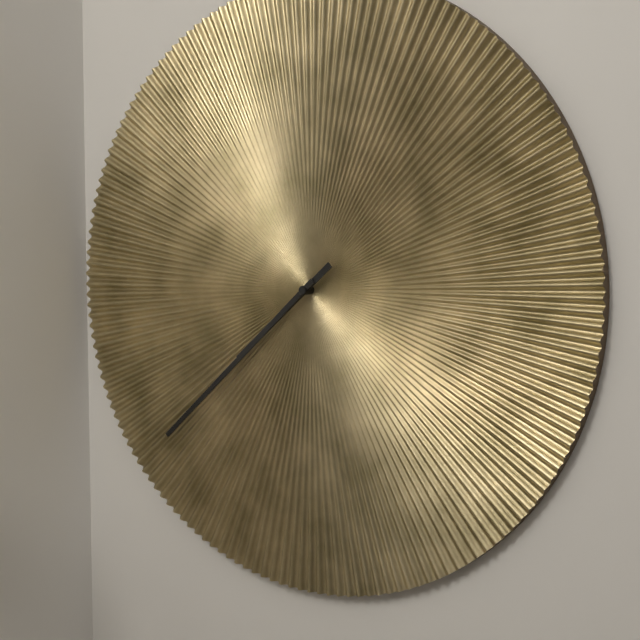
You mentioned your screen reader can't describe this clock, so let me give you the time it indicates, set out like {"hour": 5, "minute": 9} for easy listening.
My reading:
{"hour": 7, "minute": 38}
